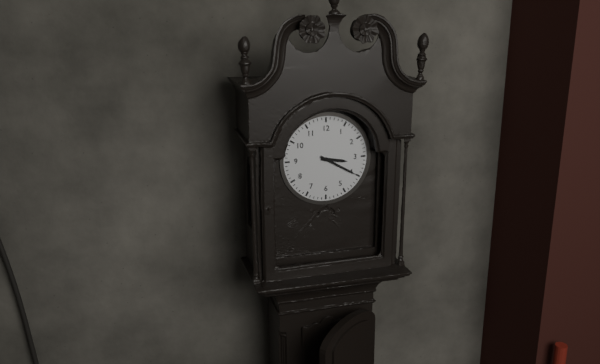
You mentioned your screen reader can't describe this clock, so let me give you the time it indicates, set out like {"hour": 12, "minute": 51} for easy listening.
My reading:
{"hour": 3, "minute": 20}
